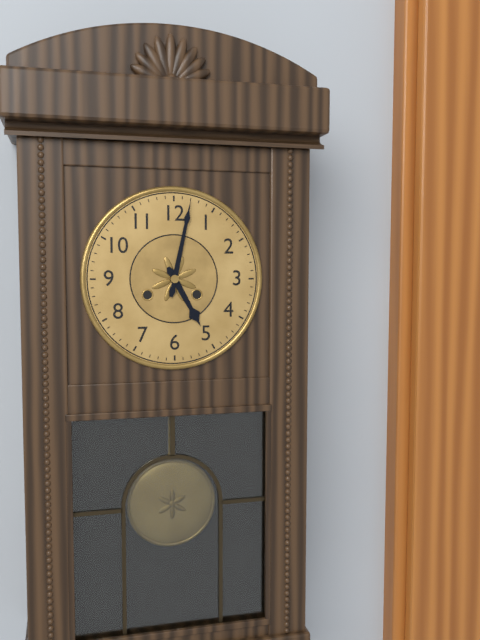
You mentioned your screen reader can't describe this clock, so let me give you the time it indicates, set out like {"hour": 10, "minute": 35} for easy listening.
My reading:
{"hour": 5, "minute": 2}
